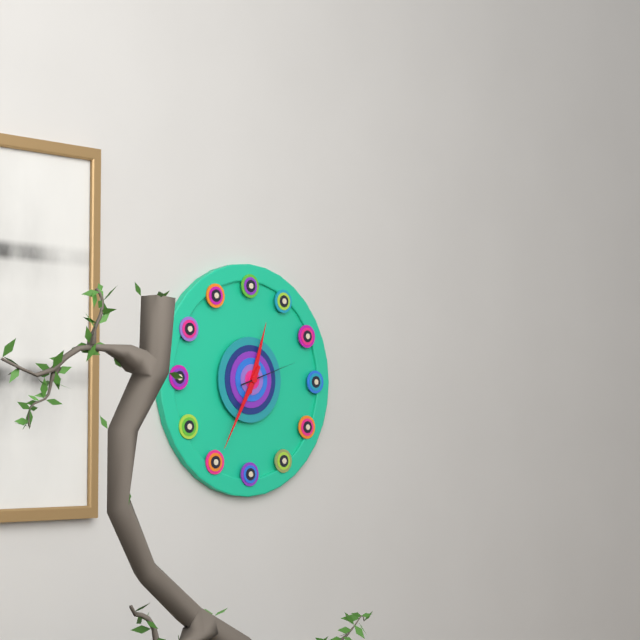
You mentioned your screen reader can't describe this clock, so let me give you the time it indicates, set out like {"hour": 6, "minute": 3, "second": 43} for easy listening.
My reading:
{"hour": 12, "minute": 35, "second": 12}
